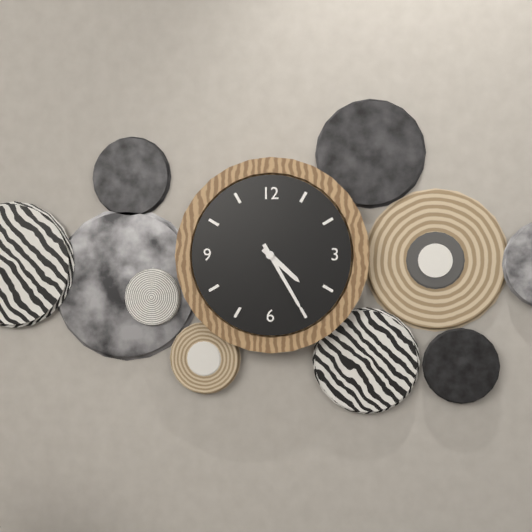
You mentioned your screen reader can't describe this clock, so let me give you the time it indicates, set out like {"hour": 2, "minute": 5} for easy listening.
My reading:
{"hour": 4, "minute": 25}
